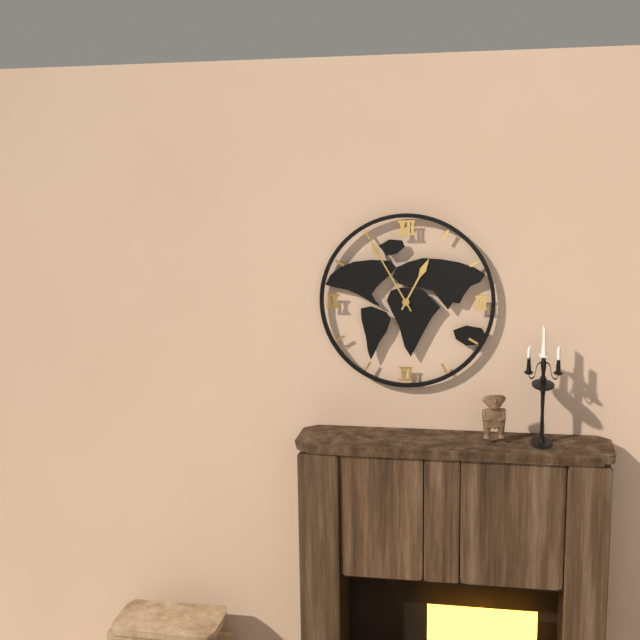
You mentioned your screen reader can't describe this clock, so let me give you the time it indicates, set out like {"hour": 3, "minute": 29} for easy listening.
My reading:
{"hour": 12, "minute": 55}
